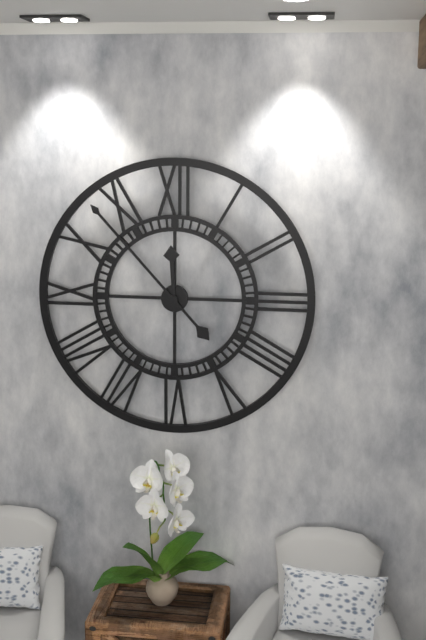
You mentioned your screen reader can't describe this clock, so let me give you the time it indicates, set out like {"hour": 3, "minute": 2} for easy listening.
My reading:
{"hour": 11, "minute": 53}
